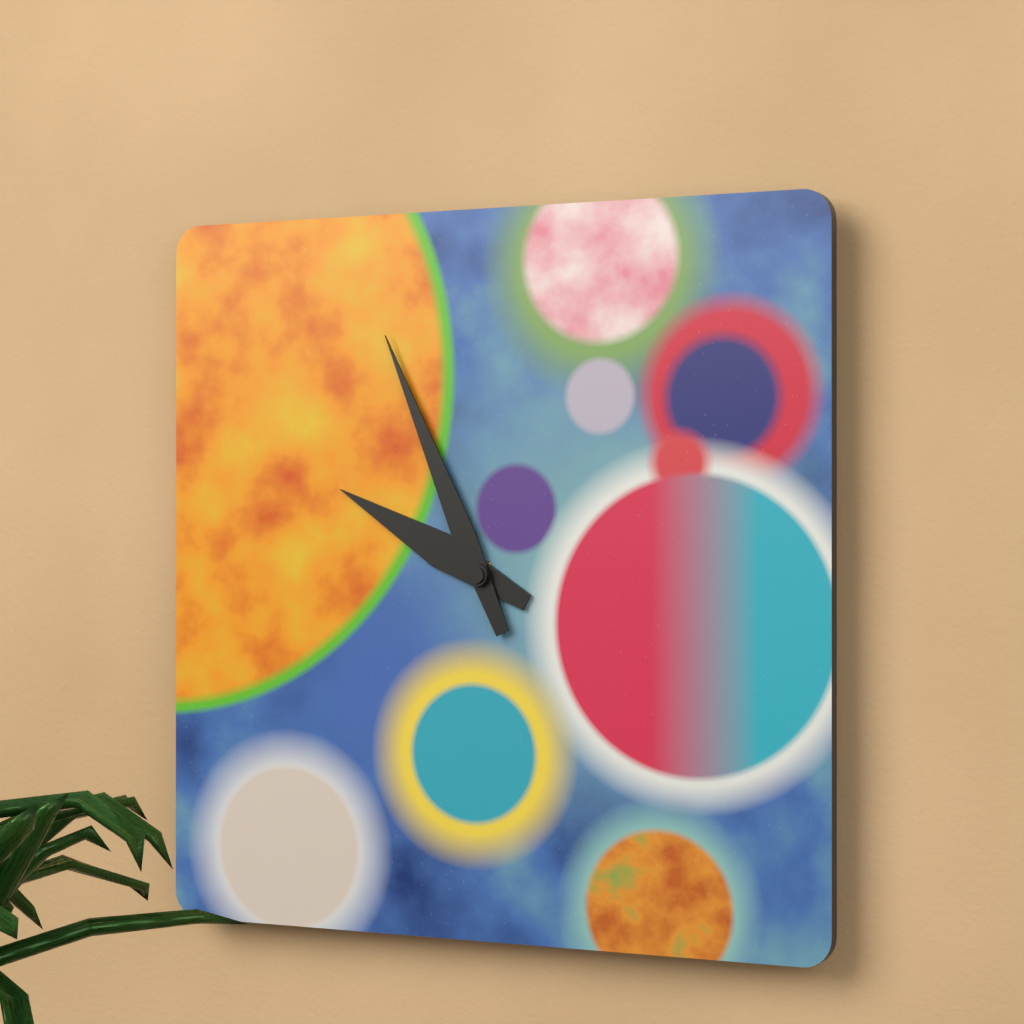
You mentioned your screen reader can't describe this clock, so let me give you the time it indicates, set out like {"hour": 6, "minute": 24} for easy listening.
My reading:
{"hour": 9, "minute": 56}
